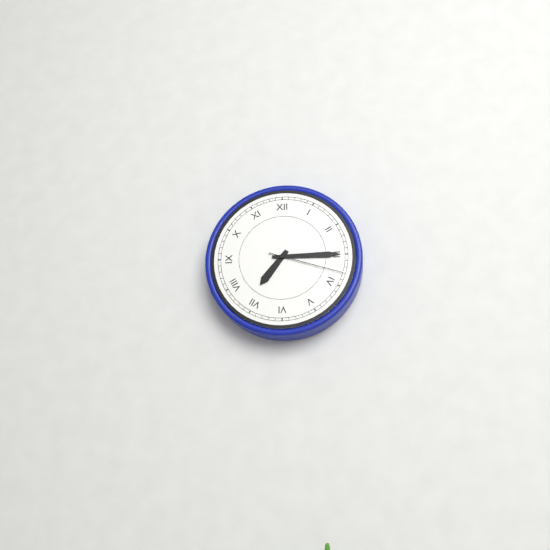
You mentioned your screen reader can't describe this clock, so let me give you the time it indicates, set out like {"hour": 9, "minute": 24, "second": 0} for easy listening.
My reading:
{"hour": 7, "minute": 15, "second": 18}
